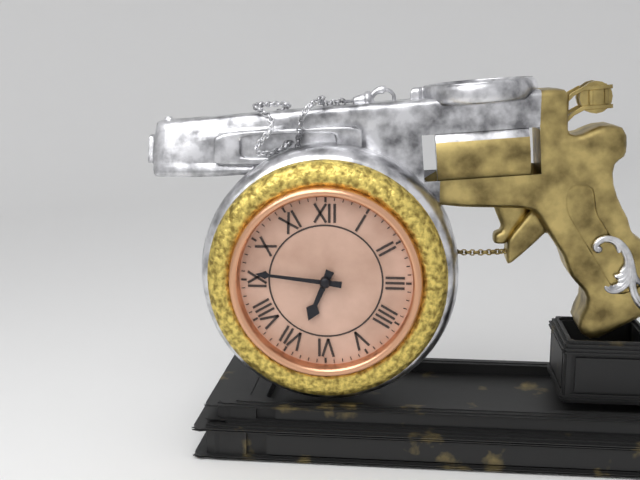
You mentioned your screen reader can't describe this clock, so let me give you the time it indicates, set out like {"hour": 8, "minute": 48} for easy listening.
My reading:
{"hour": 6, "minute": 46}
